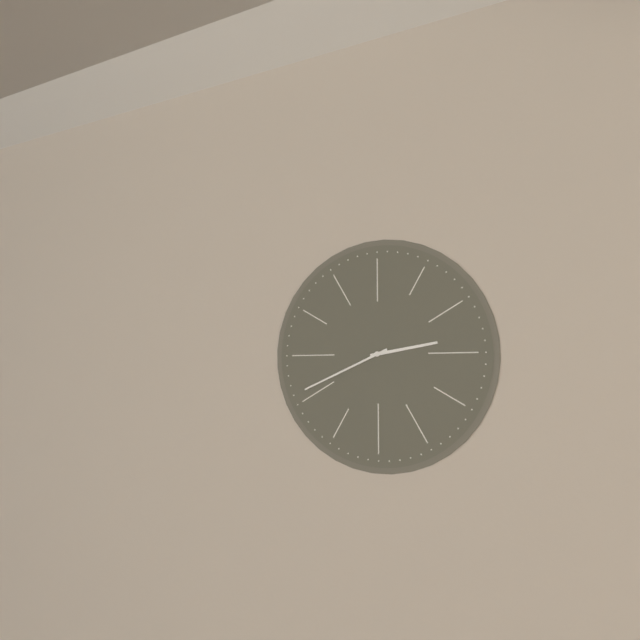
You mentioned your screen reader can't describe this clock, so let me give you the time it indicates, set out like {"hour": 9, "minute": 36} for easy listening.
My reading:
{"hour": 2, "minute": 41}
